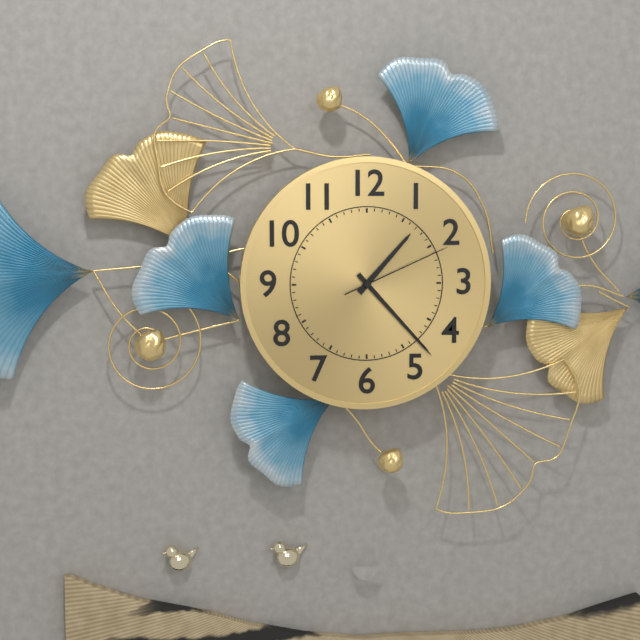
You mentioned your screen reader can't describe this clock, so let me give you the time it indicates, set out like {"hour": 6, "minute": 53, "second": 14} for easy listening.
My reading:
{"hour": 1, "minute": 23, "second": 11}
